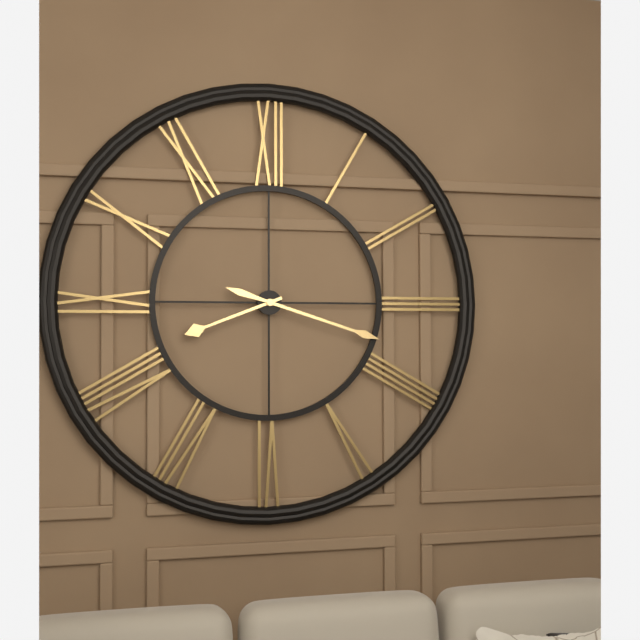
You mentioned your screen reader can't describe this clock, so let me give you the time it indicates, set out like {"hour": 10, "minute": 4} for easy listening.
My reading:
{"hour": 8, "minute": 18}
